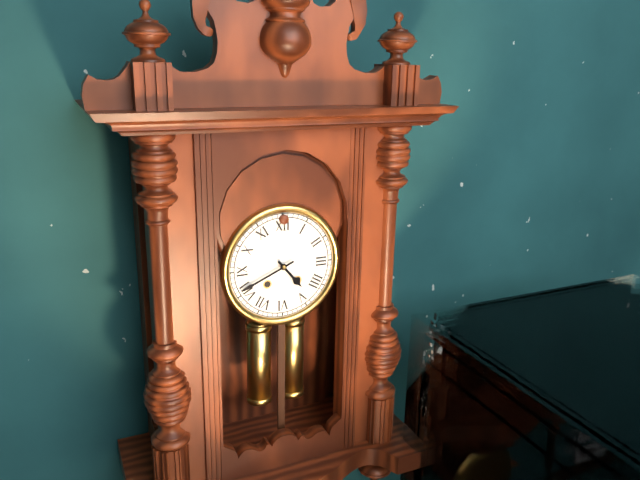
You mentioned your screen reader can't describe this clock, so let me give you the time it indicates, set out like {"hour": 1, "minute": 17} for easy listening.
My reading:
{"hour": 4, "minute": 41}
